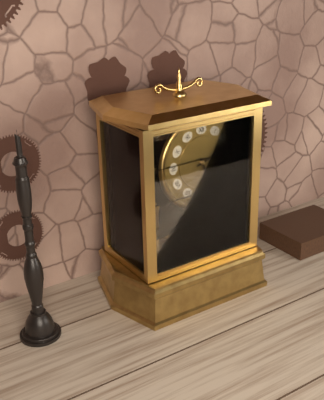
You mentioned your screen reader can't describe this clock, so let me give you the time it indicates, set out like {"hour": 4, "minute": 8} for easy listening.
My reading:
{"hour": 5, "minute": 12}
